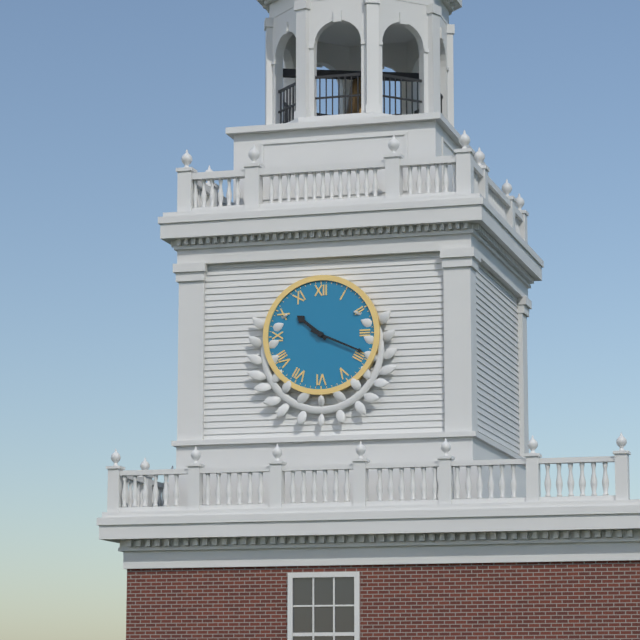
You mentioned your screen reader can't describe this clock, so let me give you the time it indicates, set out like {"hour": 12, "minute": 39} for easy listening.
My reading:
{"hour": 10, "minute": 19}
